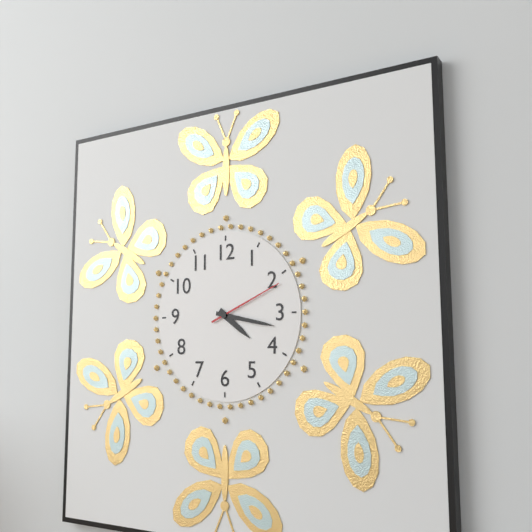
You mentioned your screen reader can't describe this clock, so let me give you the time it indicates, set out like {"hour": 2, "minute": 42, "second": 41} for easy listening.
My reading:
{"hour": 4, "minute": 17, "second": 11}
